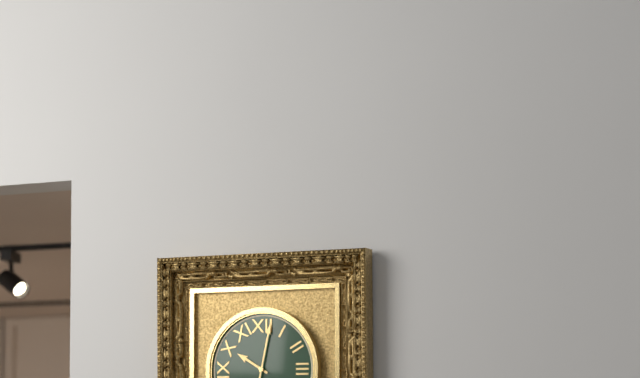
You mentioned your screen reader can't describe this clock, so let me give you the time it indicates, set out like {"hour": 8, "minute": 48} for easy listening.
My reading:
{"hour": 10, "minute": 2}
